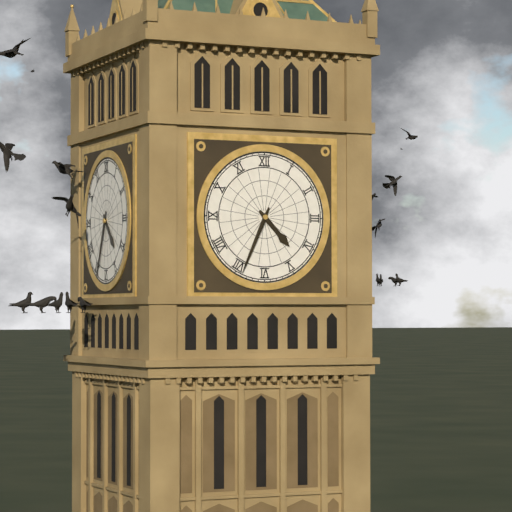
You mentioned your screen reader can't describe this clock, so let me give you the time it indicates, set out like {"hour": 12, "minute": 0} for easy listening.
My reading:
{"hour": 4, "minute": 34}
